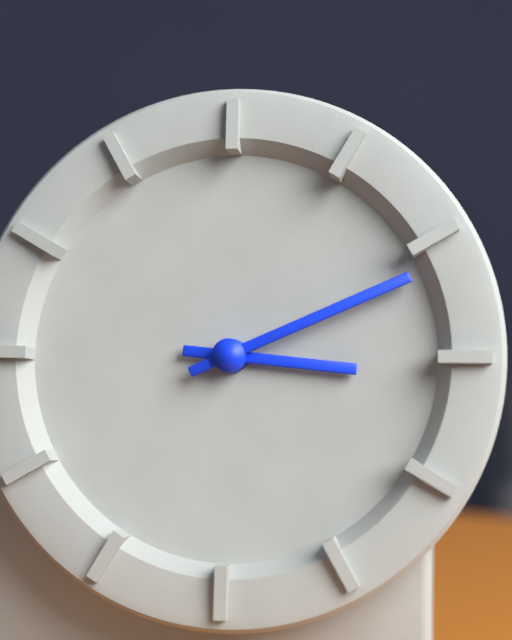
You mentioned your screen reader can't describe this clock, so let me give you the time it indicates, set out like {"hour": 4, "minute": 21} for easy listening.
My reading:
{"hour": 3, "minute": 11}
